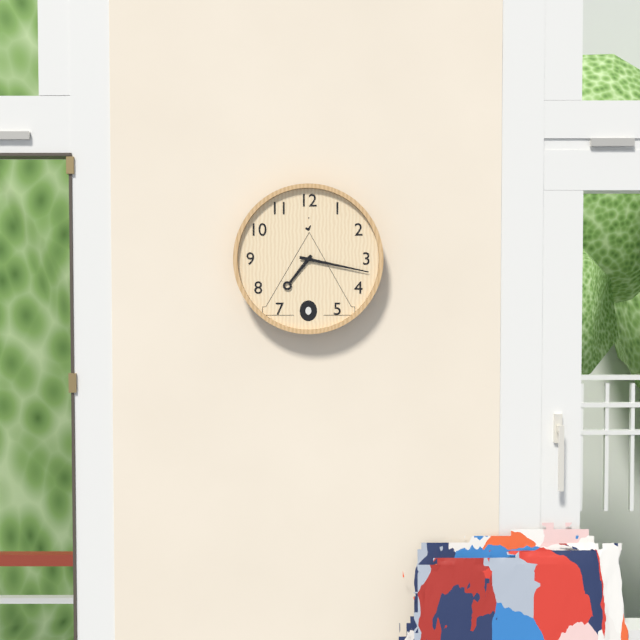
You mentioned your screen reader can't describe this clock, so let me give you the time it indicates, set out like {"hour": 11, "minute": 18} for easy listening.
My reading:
{"hour": 7, "minute": 17}
